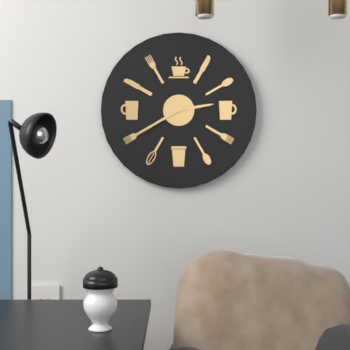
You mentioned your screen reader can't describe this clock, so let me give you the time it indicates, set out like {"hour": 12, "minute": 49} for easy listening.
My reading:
{"hour": 2, "minute": 40}
